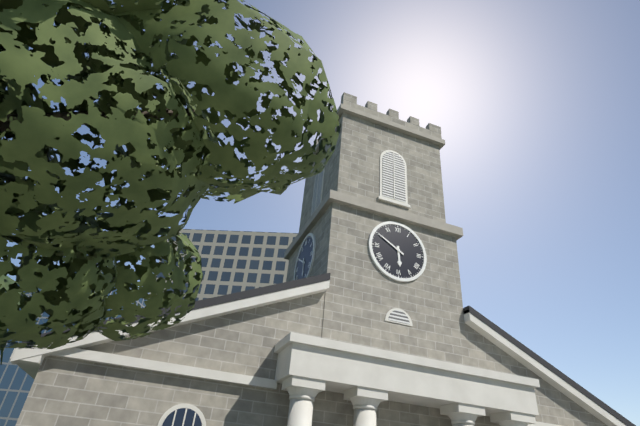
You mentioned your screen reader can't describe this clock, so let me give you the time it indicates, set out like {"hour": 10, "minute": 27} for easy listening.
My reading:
{"hour": 5, "minute": 50}
